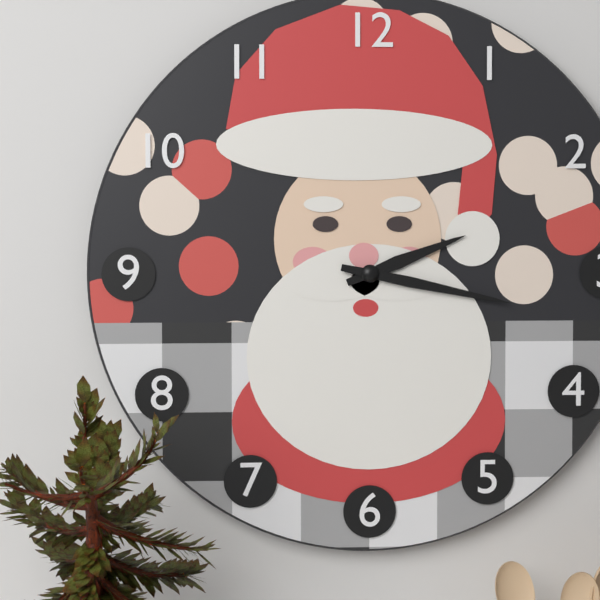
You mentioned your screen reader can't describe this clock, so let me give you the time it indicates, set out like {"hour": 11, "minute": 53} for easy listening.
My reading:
{"hour": 2, "minute": 17}
